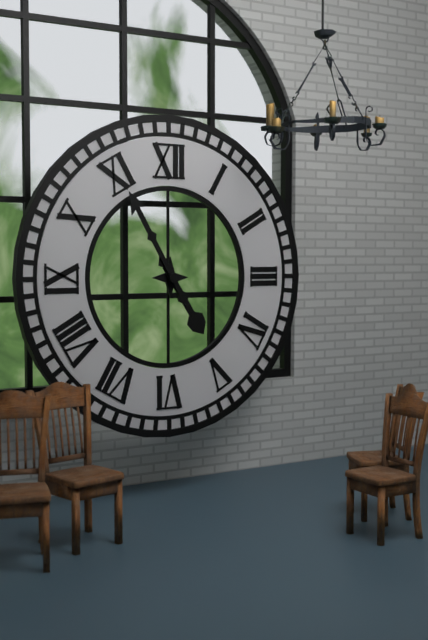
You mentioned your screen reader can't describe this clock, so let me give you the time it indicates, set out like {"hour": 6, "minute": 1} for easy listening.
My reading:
{"hour": 4, "minute": 55}
